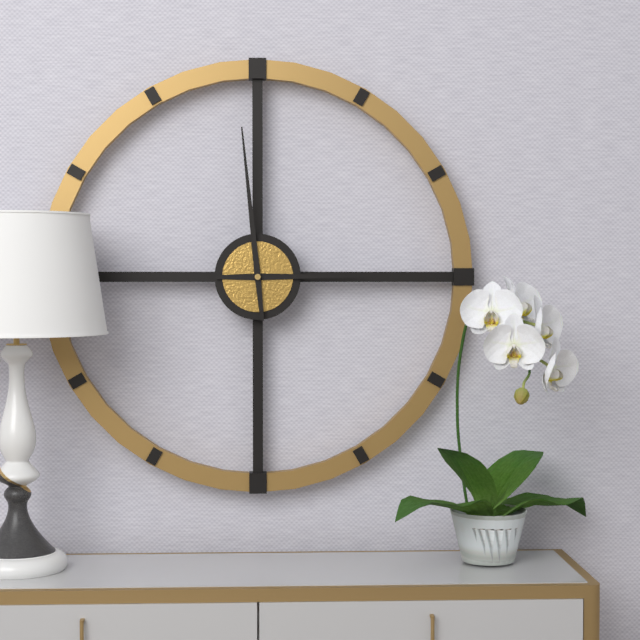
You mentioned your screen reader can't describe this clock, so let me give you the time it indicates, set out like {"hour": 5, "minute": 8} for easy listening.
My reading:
{"hour": 2, "minute": 59}
